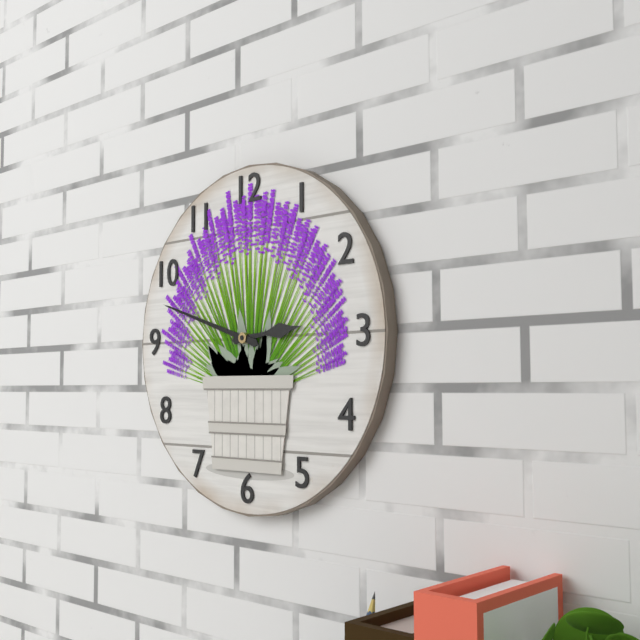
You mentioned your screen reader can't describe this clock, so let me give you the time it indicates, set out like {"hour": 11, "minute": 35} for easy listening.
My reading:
{"hour": 2, "minute": 48}
